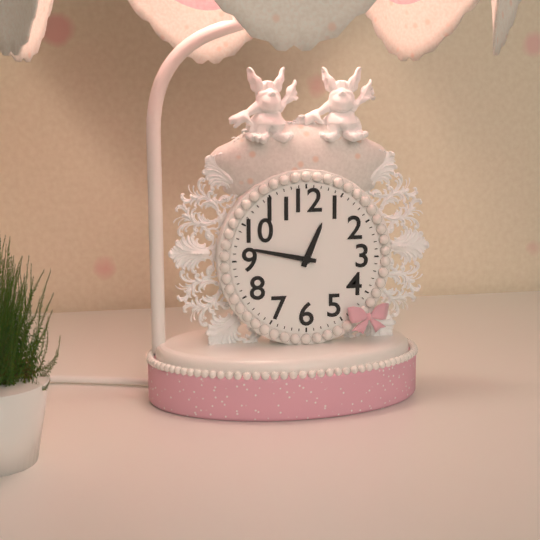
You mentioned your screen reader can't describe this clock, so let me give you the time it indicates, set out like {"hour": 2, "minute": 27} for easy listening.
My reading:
{"hour": 12, "minute": 47}
